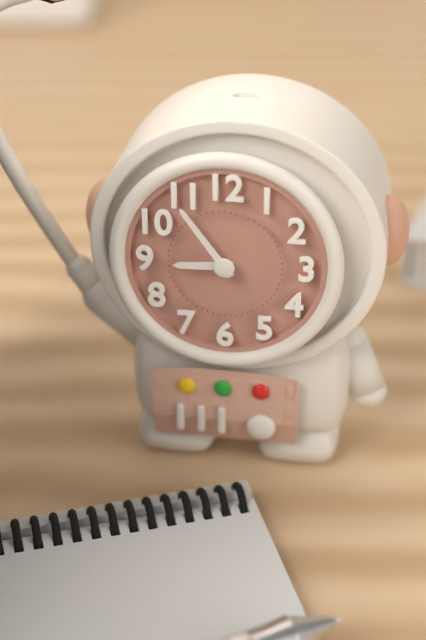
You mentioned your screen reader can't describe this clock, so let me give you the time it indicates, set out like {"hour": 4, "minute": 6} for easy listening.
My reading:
{"hour": 8, "minute": 54}
